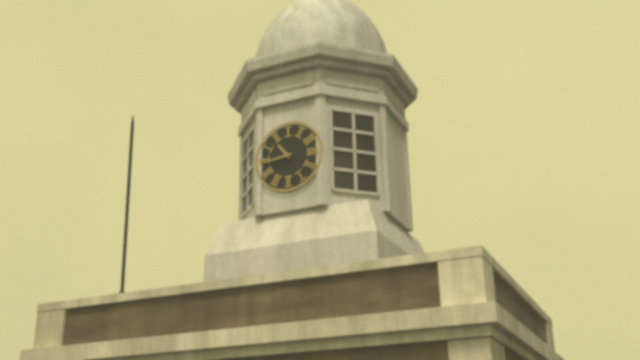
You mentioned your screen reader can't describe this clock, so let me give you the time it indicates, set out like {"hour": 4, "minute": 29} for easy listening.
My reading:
{"hour": 10, "minute": 44}
